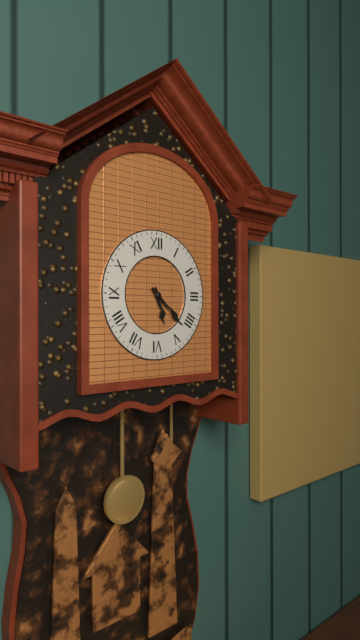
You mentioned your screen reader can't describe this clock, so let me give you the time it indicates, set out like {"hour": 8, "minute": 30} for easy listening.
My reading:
{"hour": 5, "minute": 22}
